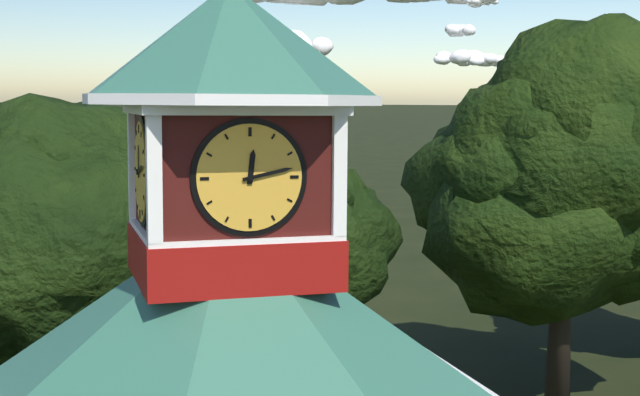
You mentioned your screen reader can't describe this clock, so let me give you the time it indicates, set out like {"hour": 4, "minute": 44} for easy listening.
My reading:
{"hour": 12, "minute": 13}
